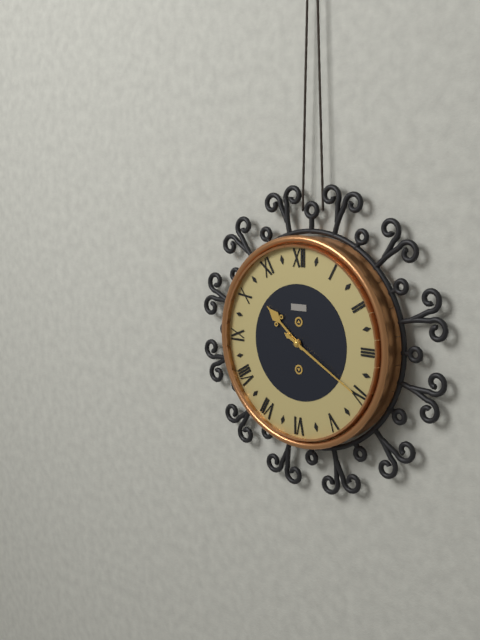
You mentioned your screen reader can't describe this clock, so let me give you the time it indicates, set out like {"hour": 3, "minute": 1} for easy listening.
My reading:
{"hour": 10, "minute": 20}
